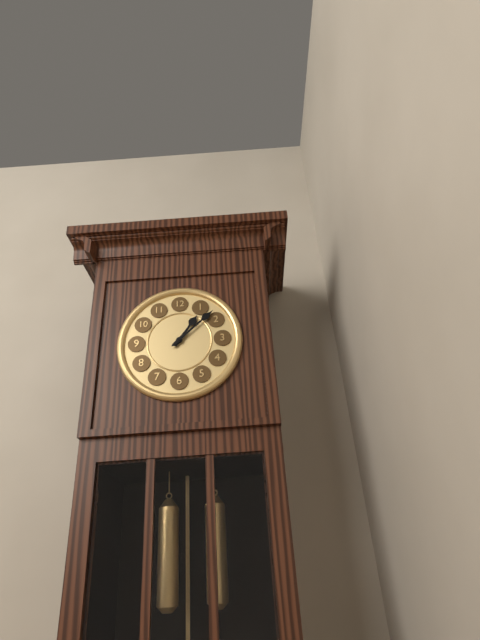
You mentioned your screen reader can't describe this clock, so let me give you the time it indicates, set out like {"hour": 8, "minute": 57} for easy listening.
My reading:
{"hour": 1, "minute": 8}
